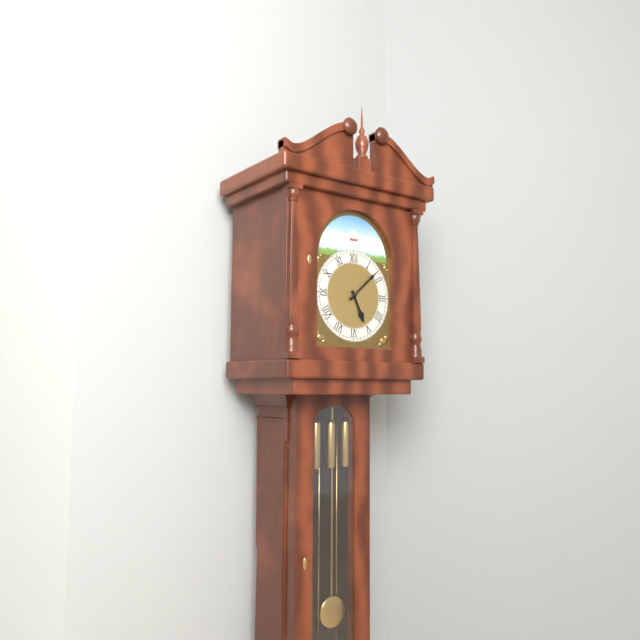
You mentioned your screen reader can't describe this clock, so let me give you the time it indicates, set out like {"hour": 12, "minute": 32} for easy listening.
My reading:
{"hour": 5, "minute": 8}
